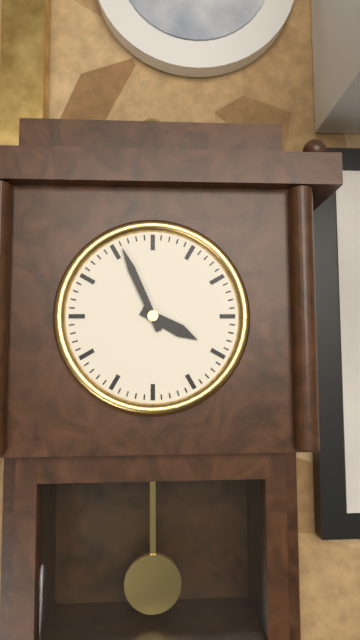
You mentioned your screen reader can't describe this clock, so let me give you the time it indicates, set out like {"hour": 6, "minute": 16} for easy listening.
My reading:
{"hour": 3, "minute": 56}
